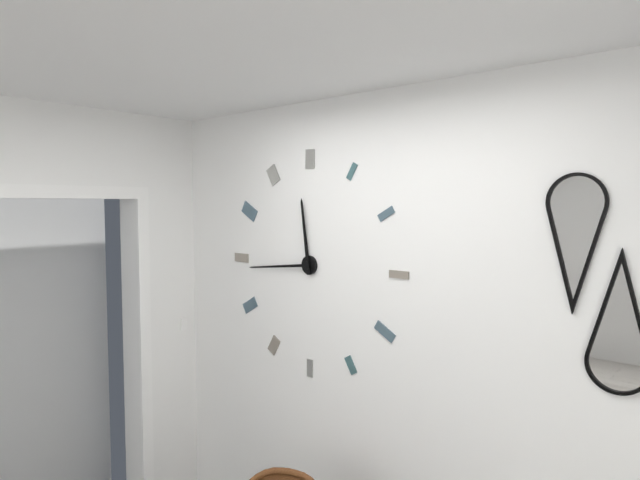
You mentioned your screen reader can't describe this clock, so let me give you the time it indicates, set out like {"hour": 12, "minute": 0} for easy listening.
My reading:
{"hour": 11, "minute": 44}
